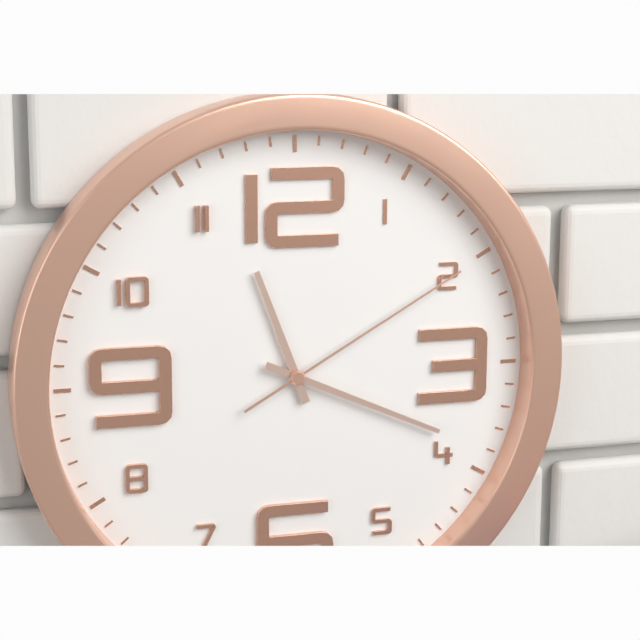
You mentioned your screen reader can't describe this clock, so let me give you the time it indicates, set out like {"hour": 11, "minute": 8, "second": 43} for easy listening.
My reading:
{"hour": 11, "minute": 19, "second": 10}
